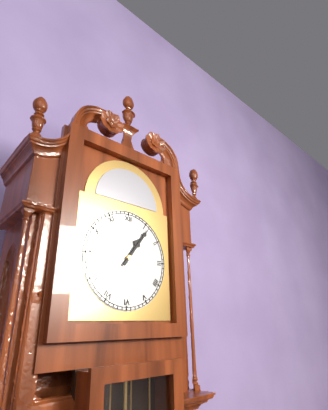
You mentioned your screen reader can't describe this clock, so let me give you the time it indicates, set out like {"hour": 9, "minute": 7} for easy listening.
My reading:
{"hour": 1, "minute": 6}
